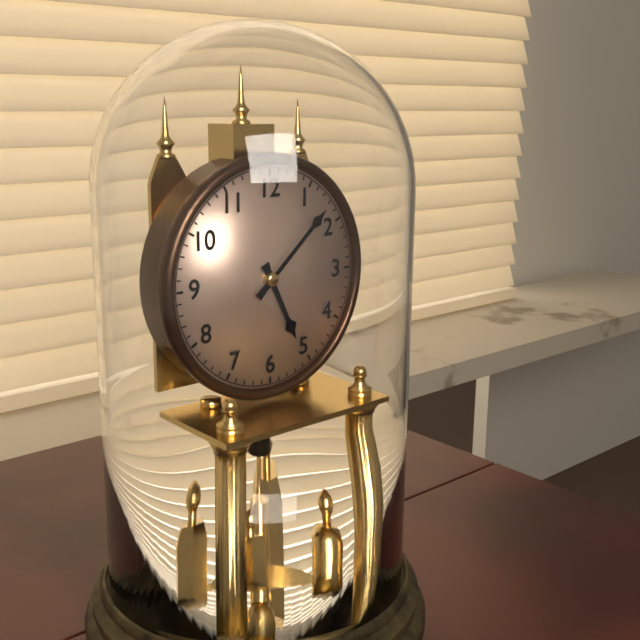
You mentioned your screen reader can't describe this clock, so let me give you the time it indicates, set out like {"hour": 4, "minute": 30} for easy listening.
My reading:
{"hour": 5, "minute": 8}
